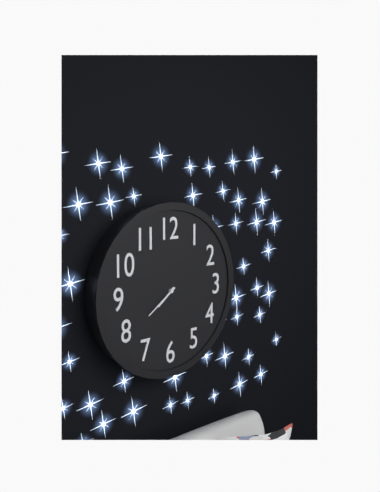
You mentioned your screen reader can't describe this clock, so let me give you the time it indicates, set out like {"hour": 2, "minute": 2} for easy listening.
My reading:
{"hour": 7, "minute": 39}
